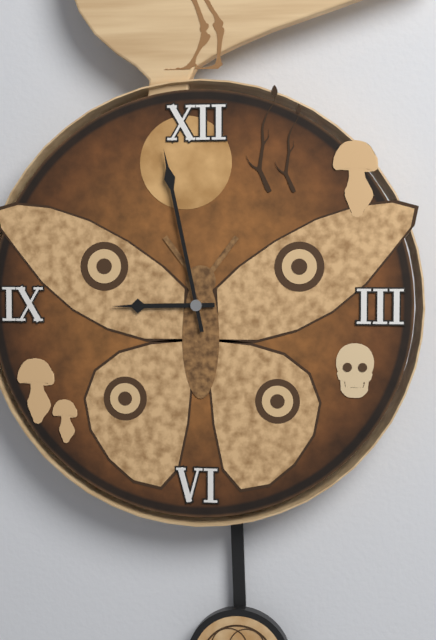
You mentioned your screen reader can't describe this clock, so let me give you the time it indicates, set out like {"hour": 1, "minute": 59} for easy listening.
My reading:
{"hour": 8, "minute": 58}
